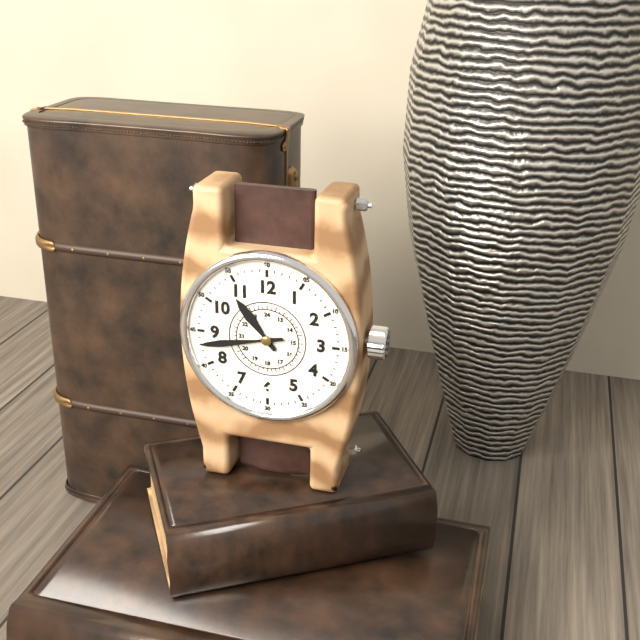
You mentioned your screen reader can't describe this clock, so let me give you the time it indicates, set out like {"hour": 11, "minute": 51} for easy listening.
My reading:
{"hour": 10, "minute": 43}
